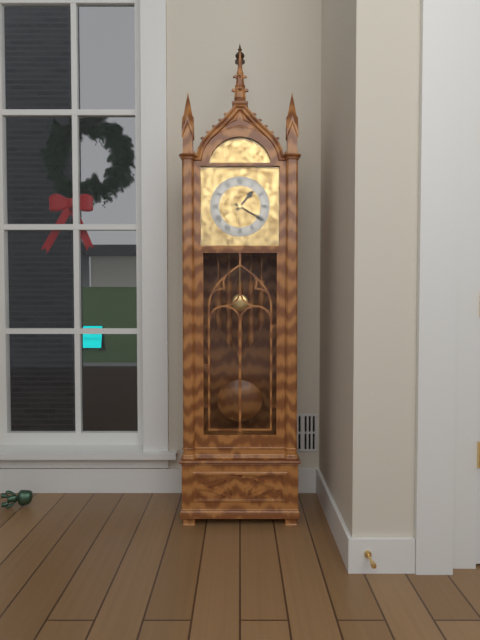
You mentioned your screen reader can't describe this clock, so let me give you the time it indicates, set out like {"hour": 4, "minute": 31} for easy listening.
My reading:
{"hour": 1, "minute": 20}
